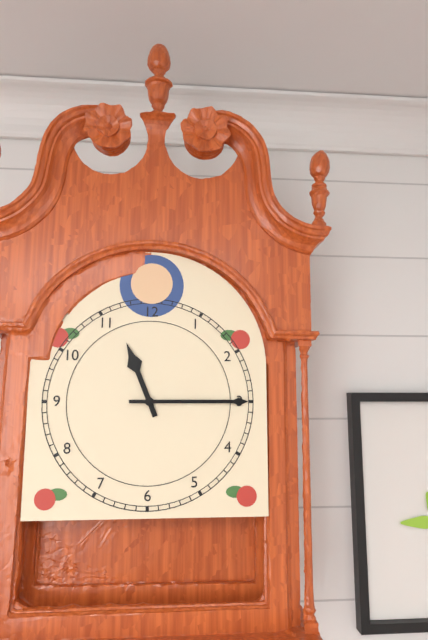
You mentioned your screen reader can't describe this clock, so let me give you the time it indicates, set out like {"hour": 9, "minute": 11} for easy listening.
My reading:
{"hour": 11, "minute": 15}
